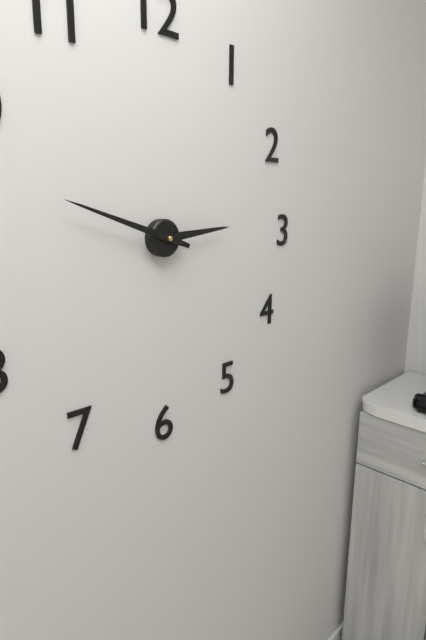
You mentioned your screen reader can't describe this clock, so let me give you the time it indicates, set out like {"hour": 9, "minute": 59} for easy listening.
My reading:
{"hour": 2, "minute": 48}
